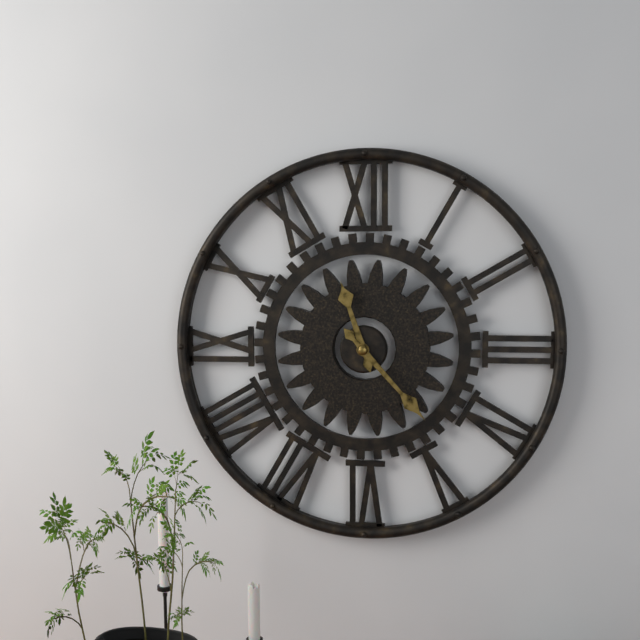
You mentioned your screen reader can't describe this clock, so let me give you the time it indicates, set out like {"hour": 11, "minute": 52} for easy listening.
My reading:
{"hour": 11, "minute": 23}
